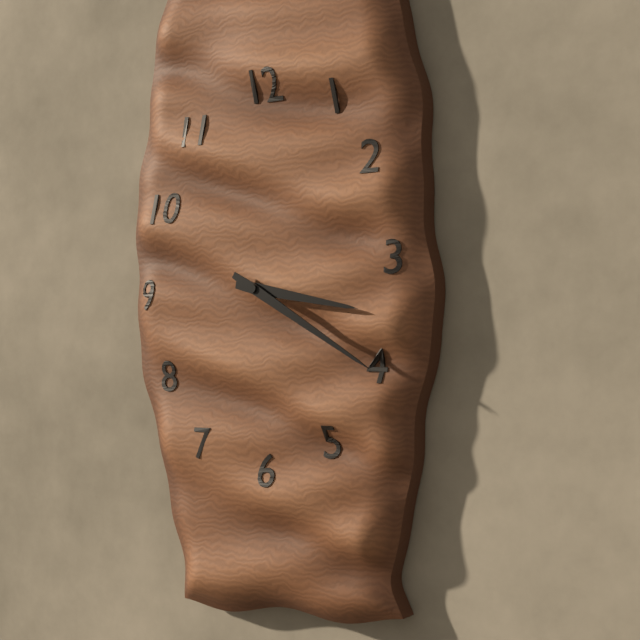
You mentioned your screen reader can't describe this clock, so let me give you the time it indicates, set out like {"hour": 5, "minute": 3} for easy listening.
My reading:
{"hour": 3, "minute": 20}
